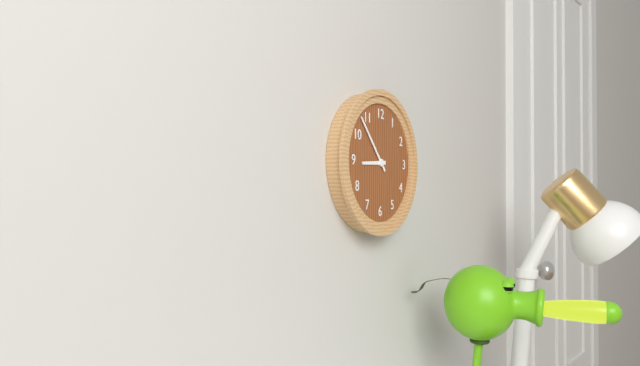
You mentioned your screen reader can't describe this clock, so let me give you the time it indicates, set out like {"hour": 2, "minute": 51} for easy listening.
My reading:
{"hour": 8, "minute": 53}
